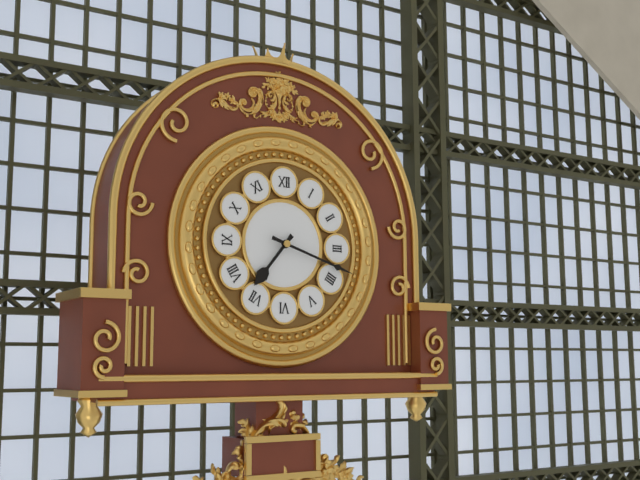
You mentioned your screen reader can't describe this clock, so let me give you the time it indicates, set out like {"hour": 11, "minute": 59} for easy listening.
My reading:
{"hour": 7, "minute": 18}
